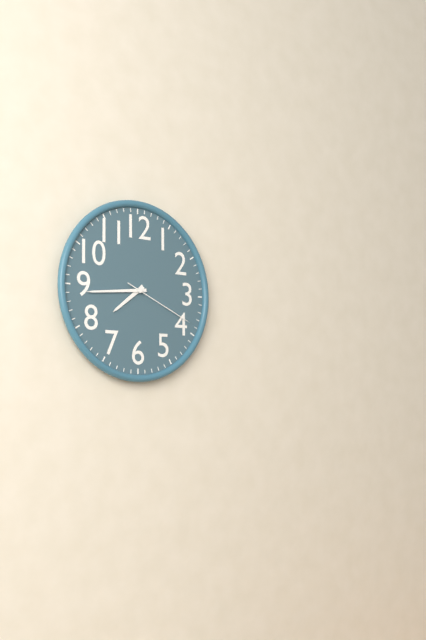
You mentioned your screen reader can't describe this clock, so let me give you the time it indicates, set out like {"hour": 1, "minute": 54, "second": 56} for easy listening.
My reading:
{"hour": 7, "minute": 44, "second": 19}
